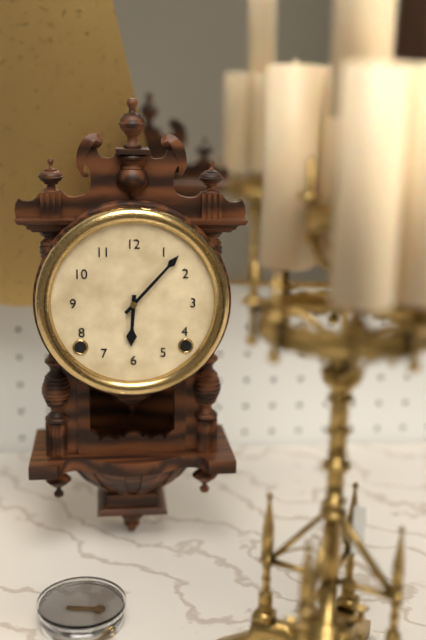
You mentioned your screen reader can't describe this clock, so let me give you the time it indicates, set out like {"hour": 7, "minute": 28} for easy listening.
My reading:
{"hour": 6, "minute": 7}
